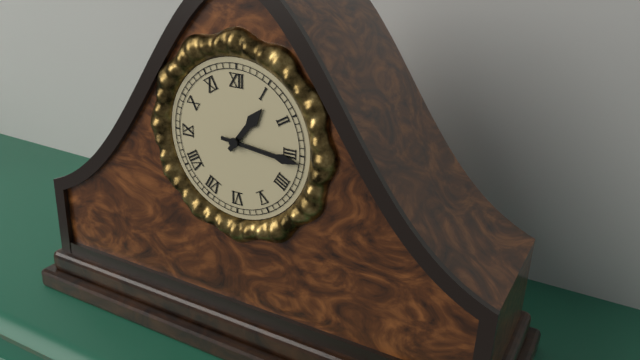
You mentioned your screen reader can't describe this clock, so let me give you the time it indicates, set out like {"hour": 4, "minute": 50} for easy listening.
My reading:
{"hour": 1, "minute": 16}
